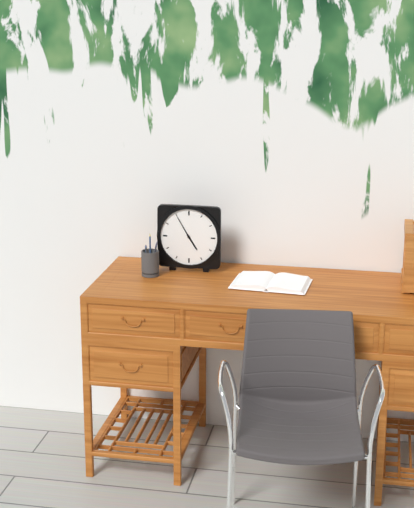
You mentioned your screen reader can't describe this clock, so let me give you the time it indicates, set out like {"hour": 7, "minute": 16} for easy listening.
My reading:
{"hour": 4, "minute": 55}
